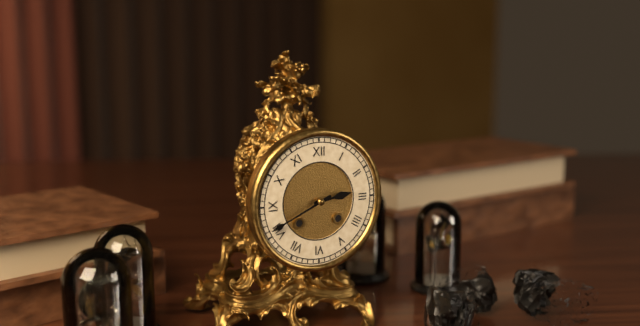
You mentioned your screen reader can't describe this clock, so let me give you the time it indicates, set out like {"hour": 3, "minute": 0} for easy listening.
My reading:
{"hour": 2, "minute": 41}
